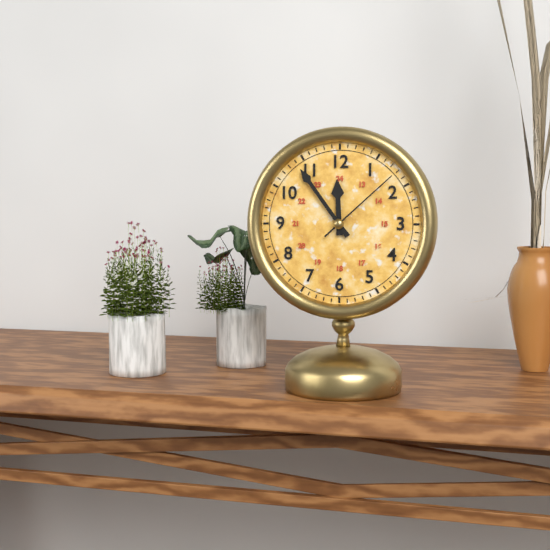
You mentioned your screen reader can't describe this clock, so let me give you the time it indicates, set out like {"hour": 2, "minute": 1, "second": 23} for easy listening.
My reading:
{"hour": 11, "minute": 54, "second": 8}
